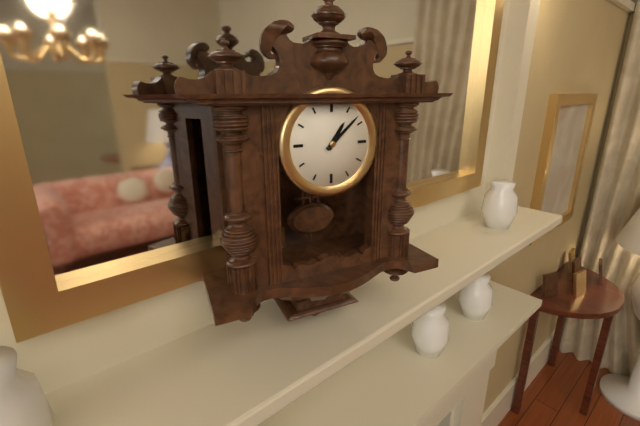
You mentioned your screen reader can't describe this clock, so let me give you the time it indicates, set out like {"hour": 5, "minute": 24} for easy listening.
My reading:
{"hour": 1, "minute": 8}
